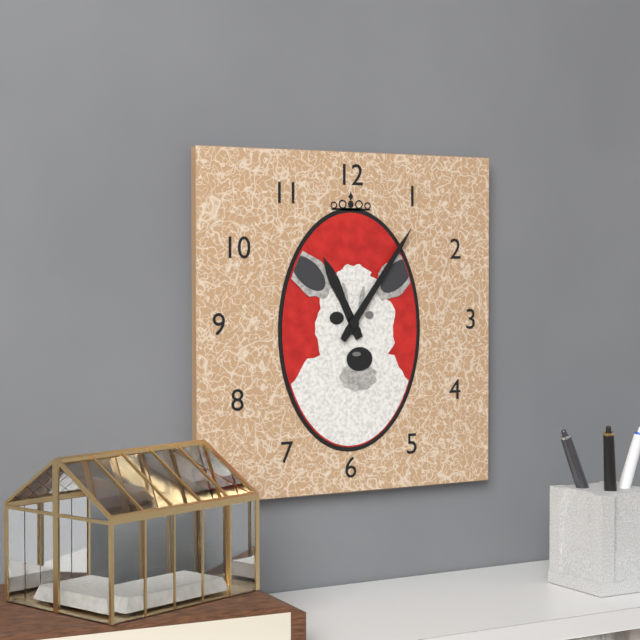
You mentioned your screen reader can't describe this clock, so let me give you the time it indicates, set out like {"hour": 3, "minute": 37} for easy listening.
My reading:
{"hour": 11, "minute": 6}
